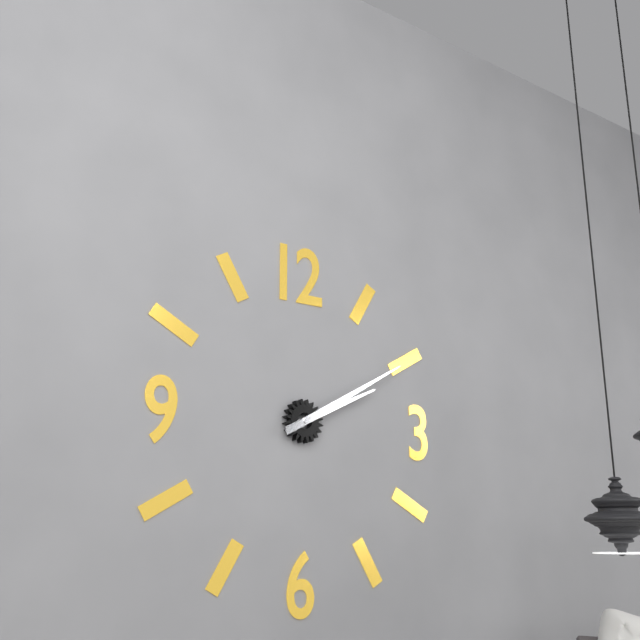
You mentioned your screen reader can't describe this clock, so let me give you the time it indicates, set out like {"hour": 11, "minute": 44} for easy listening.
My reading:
{"hour": 2, "minute": 10}
